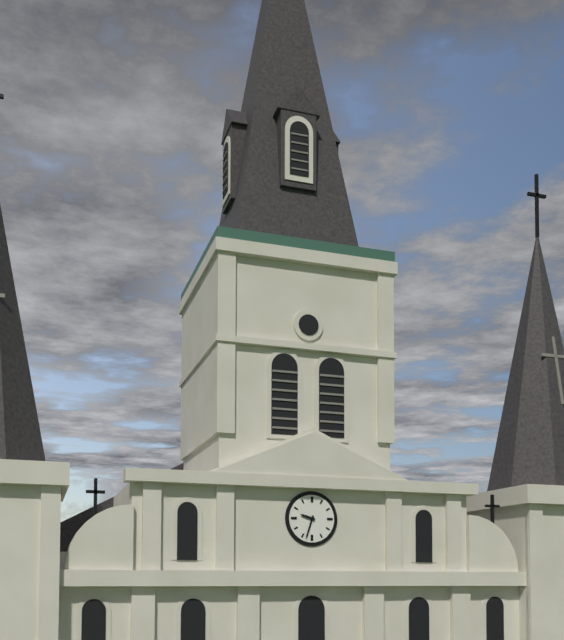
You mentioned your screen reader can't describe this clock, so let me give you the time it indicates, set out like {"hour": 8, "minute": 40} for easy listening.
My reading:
{"hour": 9, "minute": 33}
